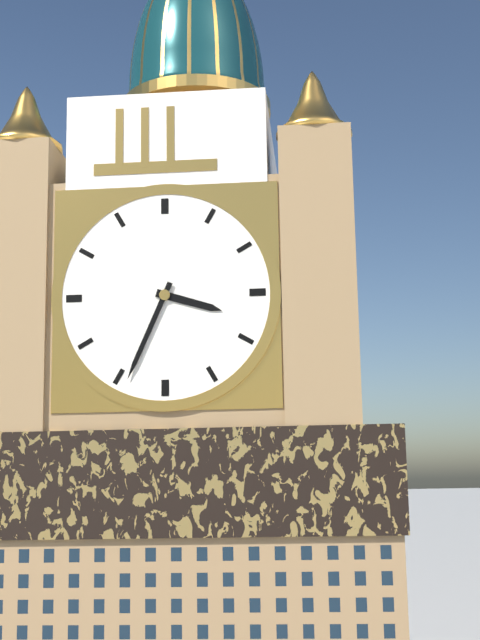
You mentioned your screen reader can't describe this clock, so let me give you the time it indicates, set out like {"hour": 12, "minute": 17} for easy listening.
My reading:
{"hour": 3, "minute": 34}
